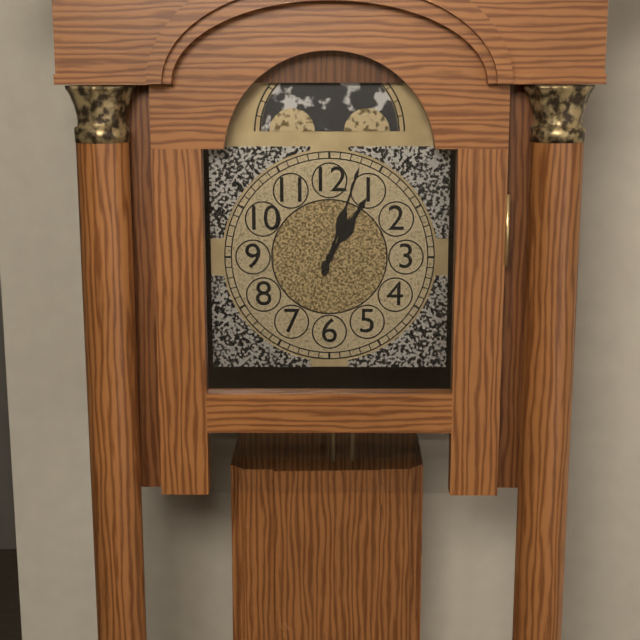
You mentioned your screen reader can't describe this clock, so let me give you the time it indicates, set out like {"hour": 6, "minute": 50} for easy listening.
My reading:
{"hour": 1, "minute": 3}
